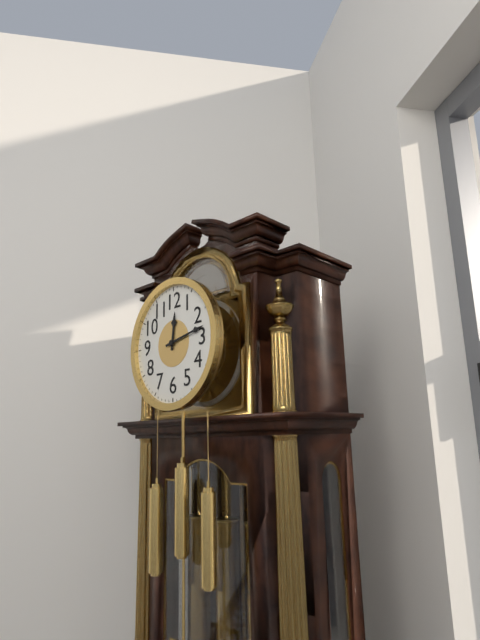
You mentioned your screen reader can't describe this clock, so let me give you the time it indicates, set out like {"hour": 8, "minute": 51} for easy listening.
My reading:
{"hour": 12, "minute": 13}
